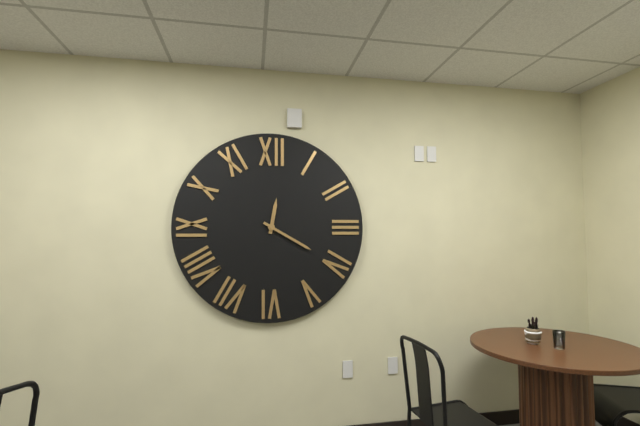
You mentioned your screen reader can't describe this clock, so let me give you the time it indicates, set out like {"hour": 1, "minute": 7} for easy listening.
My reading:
{"hour": 12, "minute": 20}
